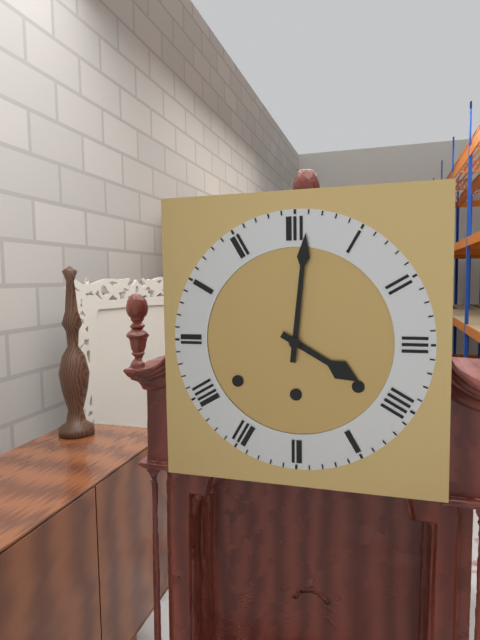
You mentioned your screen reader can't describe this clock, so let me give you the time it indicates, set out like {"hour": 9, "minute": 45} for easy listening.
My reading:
{"hour": 4, "minute": 1}
